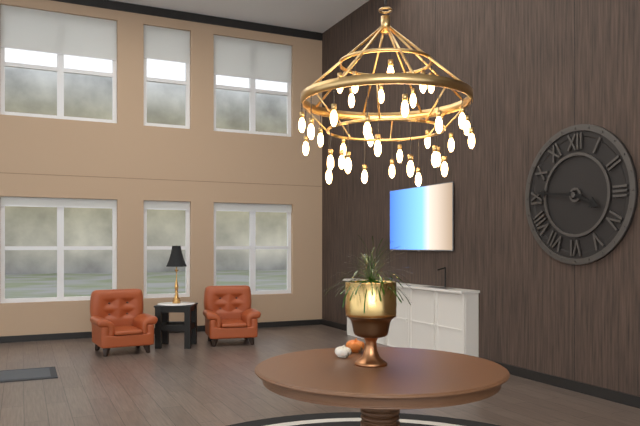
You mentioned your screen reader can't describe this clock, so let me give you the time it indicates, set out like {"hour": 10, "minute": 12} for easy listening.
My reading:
{"hour": 3, "minute": 46}
